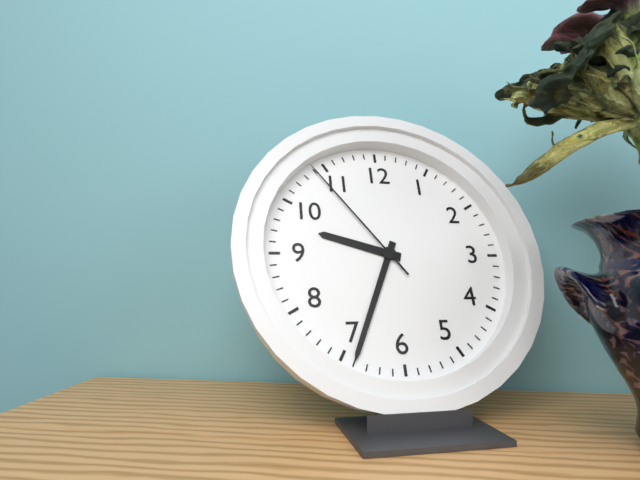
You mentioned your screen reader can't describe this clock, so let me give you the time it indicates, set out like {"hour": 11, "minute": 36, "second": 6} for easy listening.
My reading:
{"hour": 9, "minute": 34, "second": 54}
